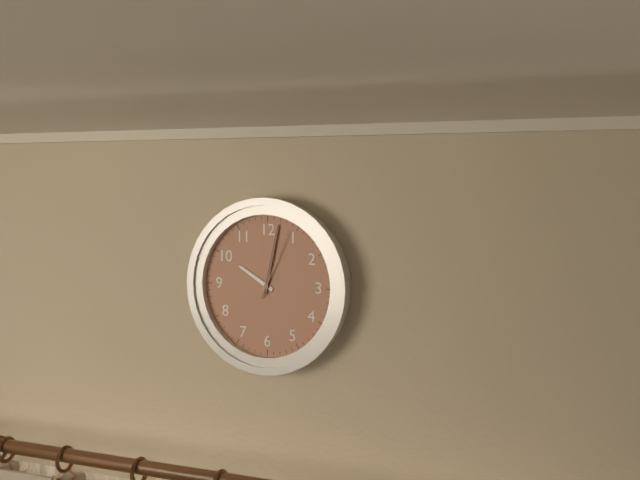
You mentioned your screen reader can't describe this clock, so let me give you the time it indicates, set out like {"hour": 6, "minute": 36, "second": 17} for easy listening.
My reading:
{"hour": 10, "minute": 2, "second": 4}
